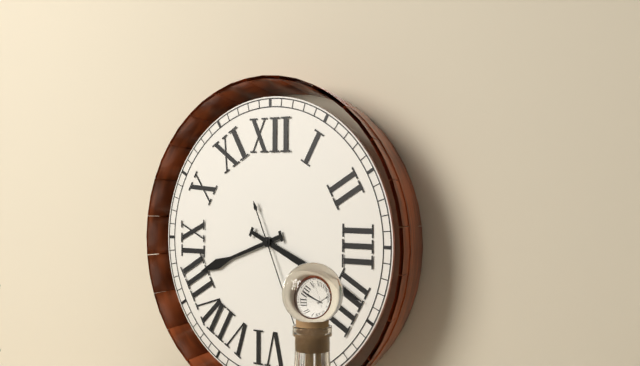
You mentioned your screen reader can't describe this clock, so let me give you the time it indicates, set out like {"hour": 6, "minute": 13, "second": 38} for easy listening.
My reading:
{"hour": 8, "minute": 19, "second": 26}
